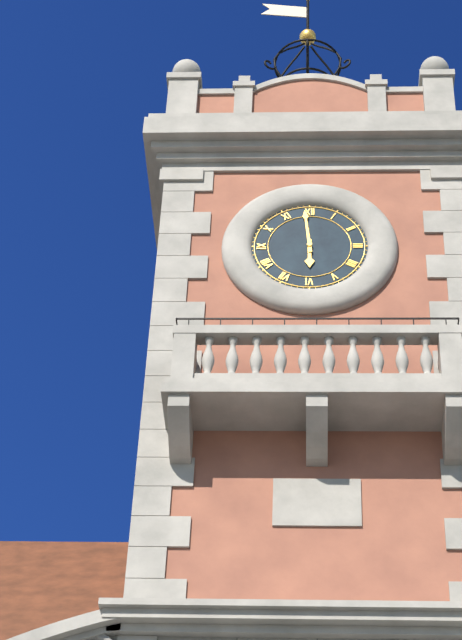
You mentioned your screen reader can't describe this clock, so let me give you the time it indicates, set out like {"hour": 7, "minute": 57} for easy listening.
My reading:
{"hour": 5, "minute": 59}
